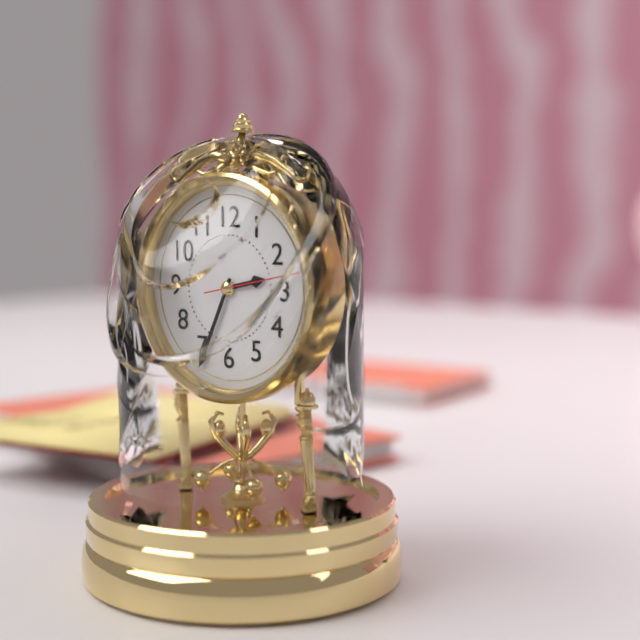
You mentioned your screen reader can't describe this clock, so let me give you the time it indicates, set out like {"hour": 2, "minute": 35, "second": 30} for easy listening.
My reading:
{"hour": 2, "minute": 34, "second": 13}
